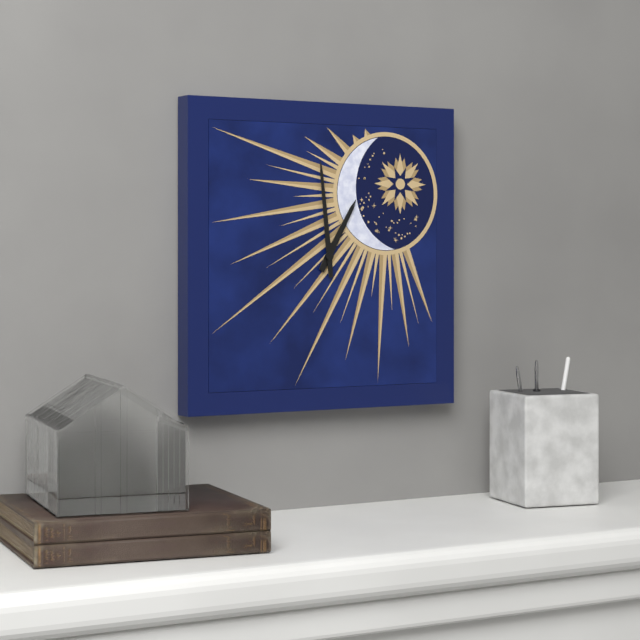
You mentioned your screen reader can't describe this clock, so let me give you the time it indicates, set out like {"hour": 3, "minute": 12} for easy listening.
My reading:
{"hour": 12, "minute": 59}
